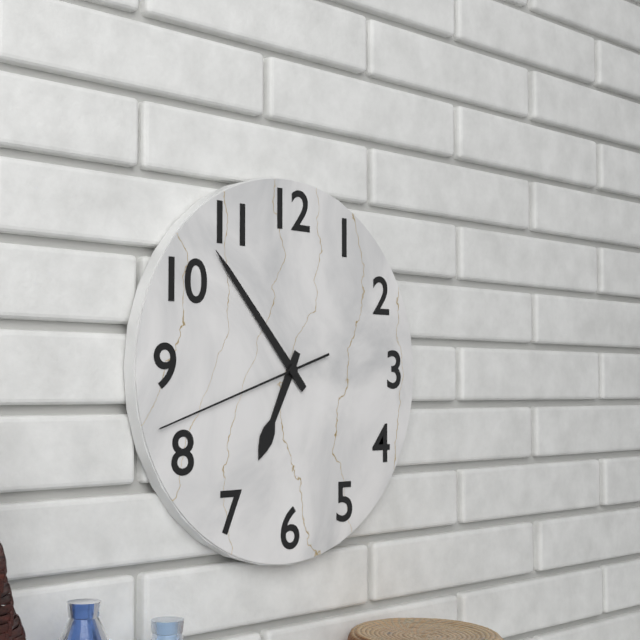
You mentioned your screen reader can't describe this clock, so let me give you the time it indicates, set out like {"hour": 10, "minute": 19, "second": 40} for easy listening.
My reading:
{"hour": 6, "minute": 53, "second": 42}
